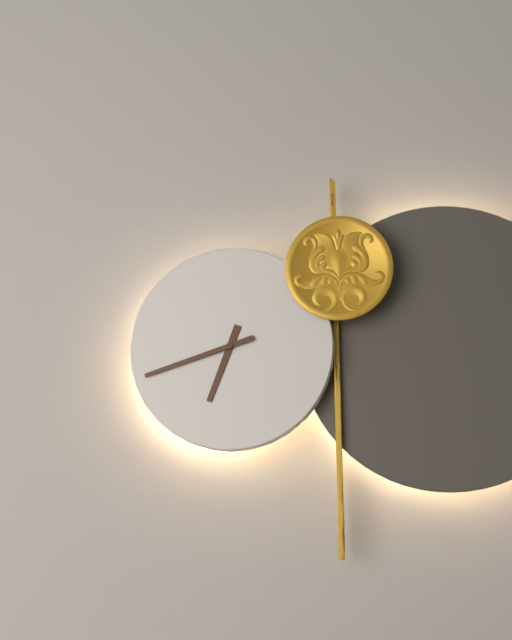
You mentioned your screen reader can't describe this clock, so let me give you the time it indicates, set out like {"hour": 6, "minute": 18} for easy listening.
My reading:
{"hour": 6, "minute": 42}
